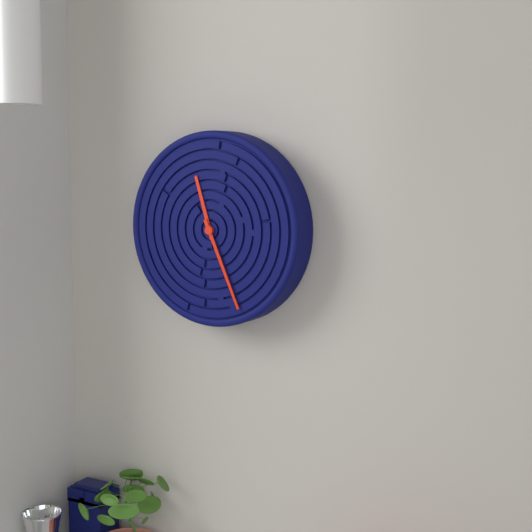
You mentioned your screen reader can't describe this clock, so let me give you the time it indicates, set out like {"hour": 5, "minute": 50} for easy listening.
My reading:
{"hour": 11, "minute": 26}
